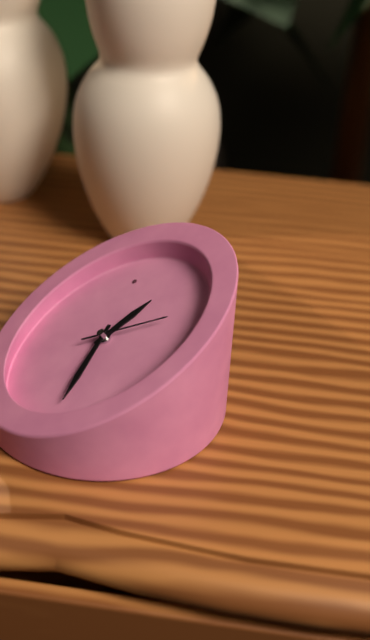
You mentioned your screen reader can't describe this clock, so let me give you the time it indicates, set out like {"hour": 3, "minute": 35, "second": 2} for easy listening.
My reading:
{"hour": 2, "minute": 38, "second": 19}
